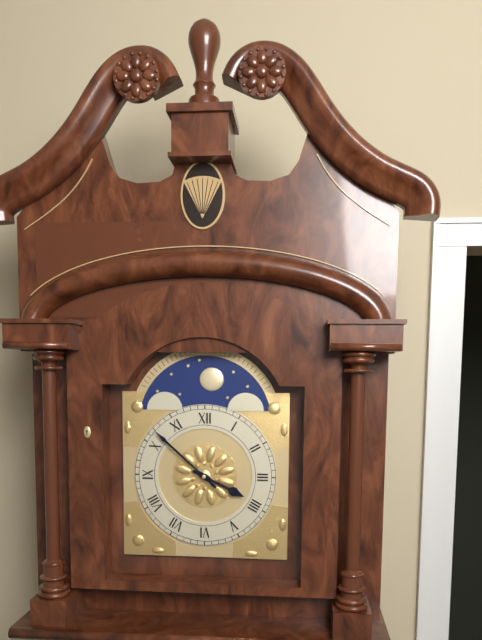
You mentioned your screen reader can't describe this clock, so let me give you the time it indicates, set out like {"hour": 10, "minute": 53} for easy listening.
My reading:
{"hour": 3, "minute": 52}
